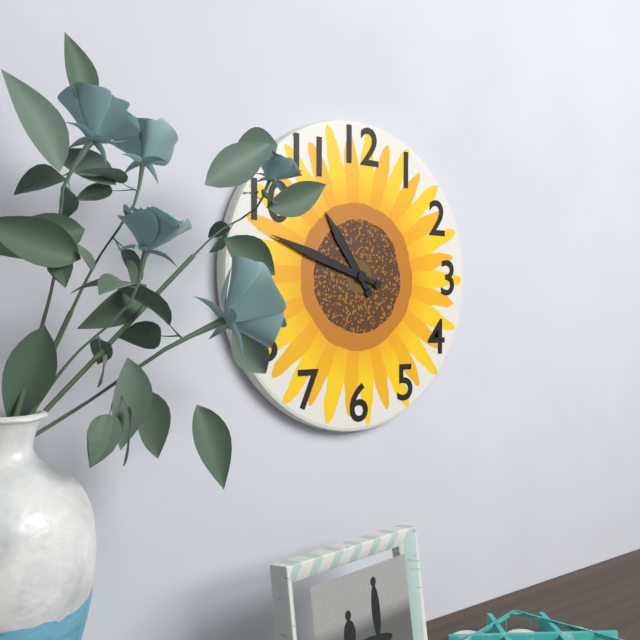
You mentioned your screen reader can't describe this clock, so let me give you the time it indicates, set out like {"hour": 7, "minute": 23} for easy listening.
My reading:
{"hour": 10, "minute": 48}
